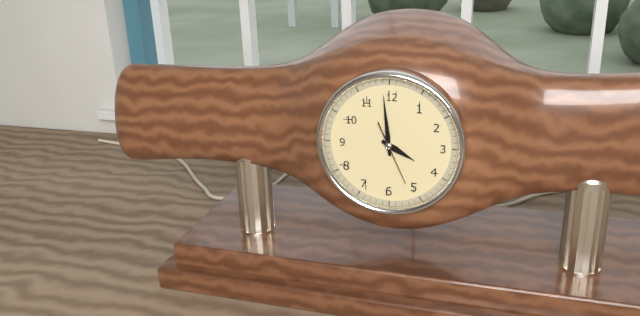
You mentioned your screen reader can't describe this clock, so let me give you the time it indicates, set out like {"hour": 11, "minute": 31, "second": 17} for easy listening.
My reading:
{"hour": 3, "minute": 59, "second": 26}
